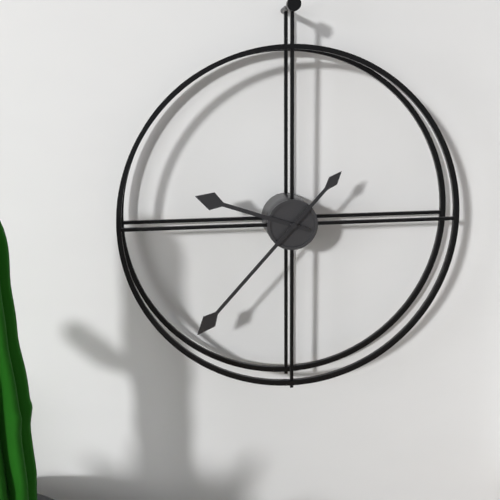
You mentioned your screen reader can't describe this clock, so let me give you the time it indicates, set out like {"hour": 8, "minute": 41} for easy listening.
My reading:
{"hour": 9, "minute": 37}
